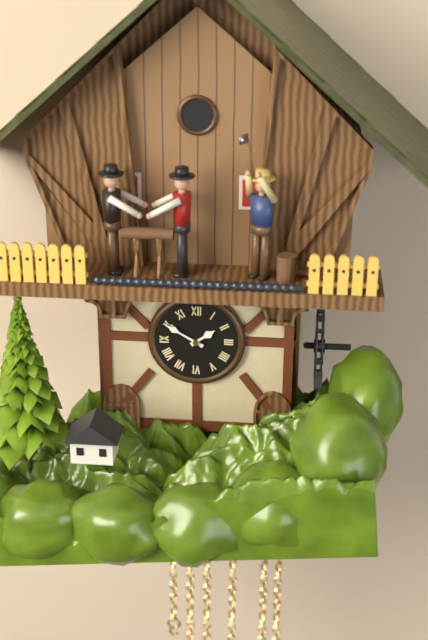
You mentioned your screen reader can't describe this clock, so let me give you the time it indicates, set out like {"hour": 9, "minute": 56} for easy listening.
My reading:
{"hour": 1, "minute": 50}
